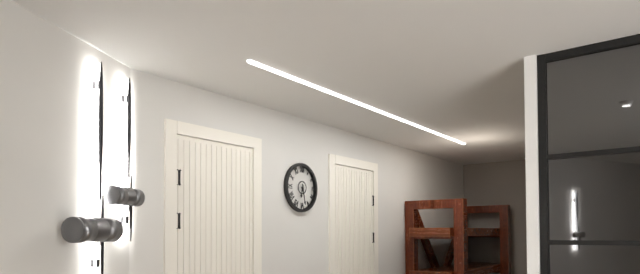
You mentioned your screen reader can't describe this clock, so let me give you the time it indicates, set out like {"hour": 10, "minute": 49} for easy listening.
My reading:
{"hour": 6, "minute": 28}
